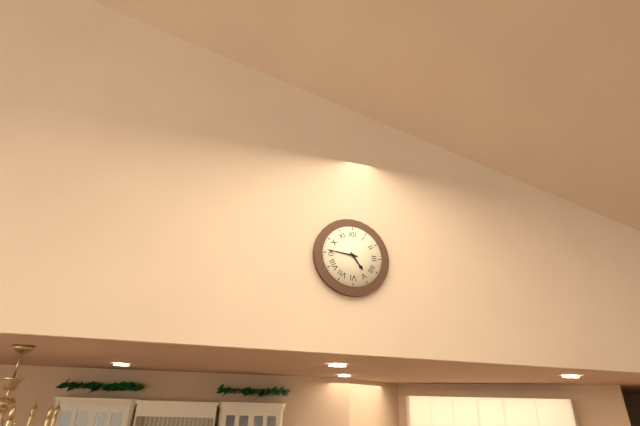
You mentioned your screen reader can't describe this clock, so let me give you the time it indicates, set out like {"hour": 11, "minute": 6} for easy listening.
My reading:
{"hour": 4, "minute": 46}
